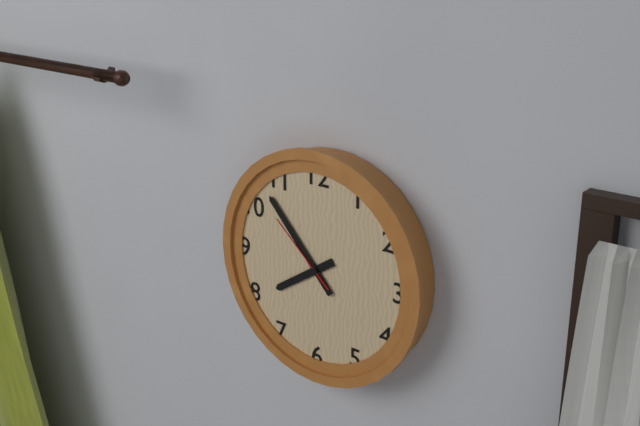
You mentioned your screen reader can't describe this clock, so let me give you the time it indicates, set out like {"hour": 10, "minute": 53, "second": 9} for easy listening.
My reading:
{"hour": 7, "minute": 53, "second": 52}
